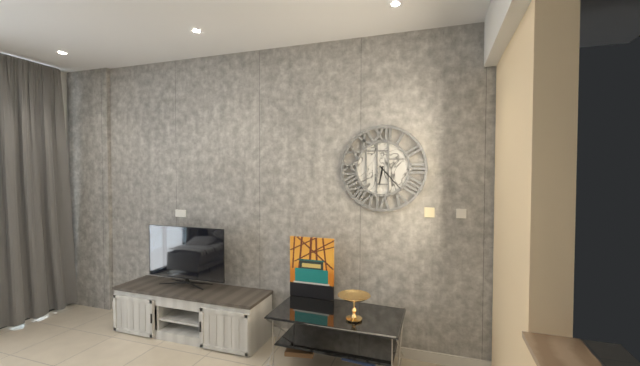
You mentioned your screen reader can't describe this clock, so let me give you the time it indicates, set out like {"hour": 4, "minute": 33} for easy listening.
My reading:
{"hour": 6, "minute": 23}
